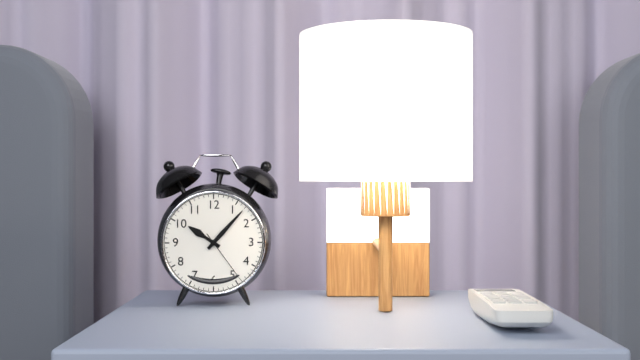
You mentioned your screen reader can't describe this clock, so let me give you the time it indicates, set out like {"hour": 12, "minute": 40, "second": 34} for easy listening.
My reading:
{"hour": 10, "minute": 7, "second": 24}
